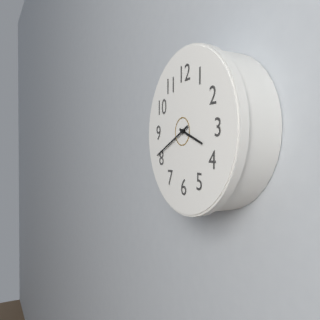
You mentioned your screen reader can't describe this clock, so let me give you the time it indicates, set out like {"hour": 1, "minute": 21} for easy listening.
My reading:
{"hour": 3, "minute": 41}
